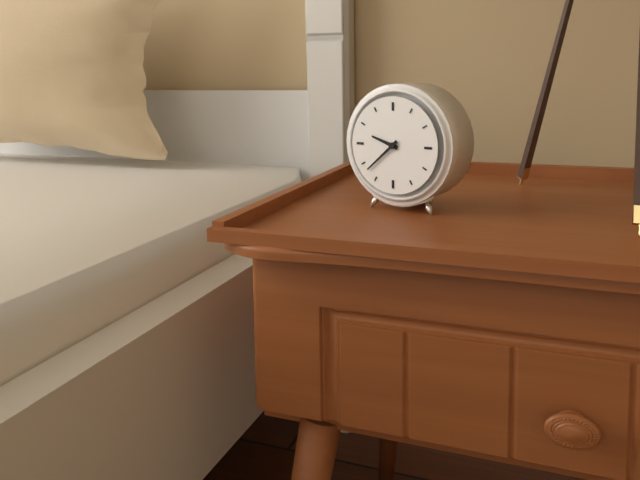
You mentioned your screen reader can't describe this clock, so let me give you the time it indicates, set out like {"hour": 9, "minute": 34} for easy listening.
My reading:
{"hour": 9, "minute": 38}
